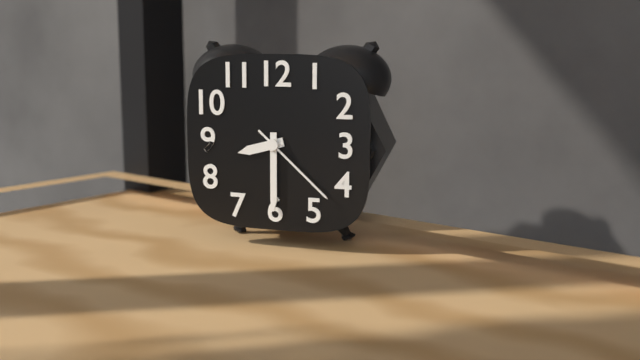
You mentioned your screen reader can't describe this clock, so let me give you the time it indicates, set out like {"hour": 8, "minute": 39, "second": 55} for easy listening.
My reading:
{"hour": 8, "minute": 30, "second": 22}
